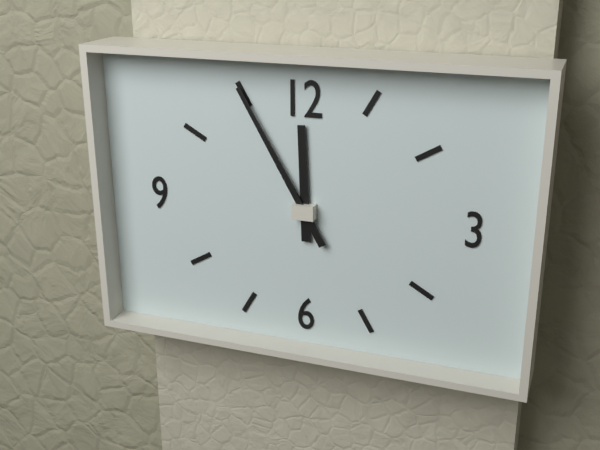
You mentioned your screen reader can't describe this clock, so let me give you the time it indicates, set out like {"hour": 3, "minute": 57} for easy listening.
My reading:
{"hour": 11, "minute": 55}
